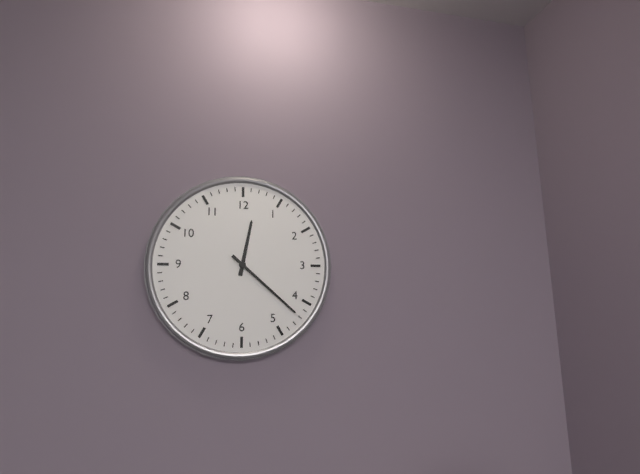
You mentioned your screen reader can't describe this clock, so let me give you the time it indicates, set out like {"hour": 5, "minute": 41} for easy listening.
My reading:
{"hour": 12, "minute": 22}
